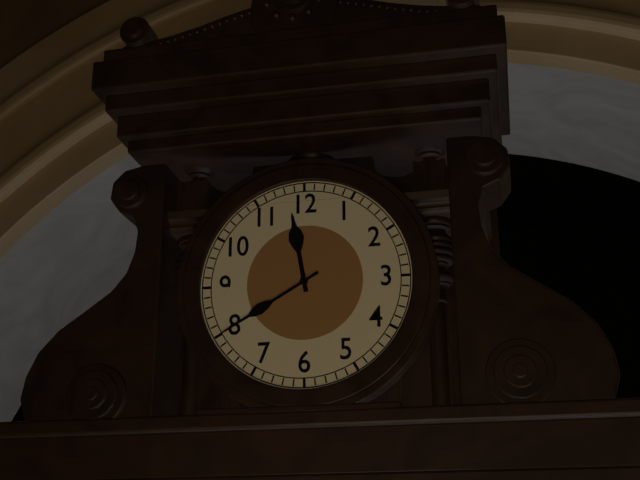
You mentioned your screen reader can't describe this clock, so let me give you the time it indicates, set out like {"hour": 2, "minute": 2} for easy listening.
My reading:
{"hour": 11, "minute": 40}
